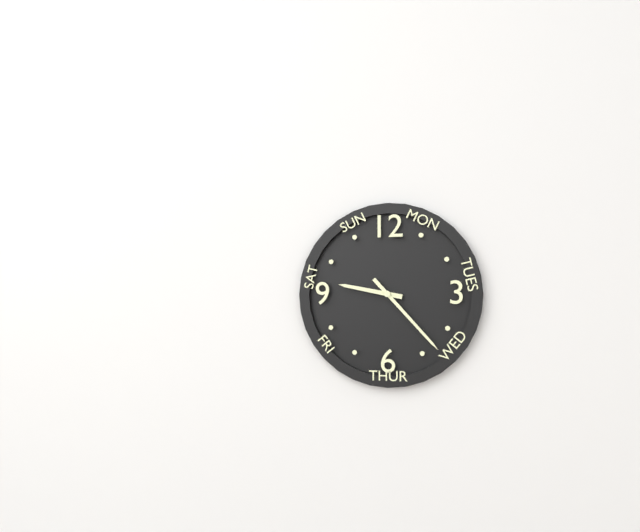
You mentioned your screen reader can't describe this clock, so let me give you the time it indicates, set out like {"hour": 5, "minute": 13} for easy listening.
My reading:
{"hour": 9, "minute": 23}
